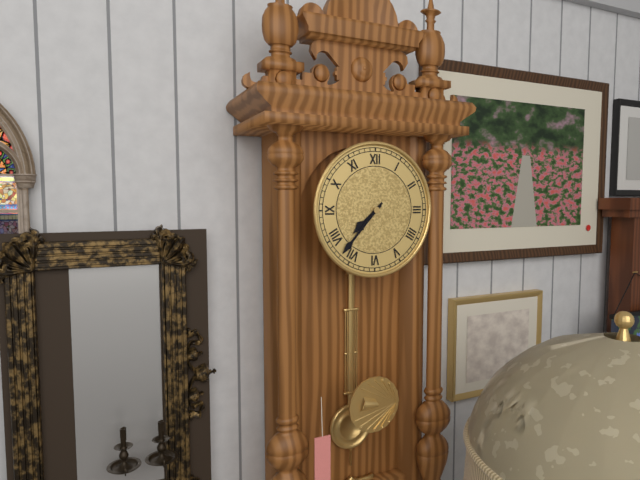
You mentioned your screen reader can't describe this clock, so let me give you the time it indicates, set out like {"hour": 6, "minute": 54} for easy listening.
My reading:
{"hour": 7, "minute": 37}
